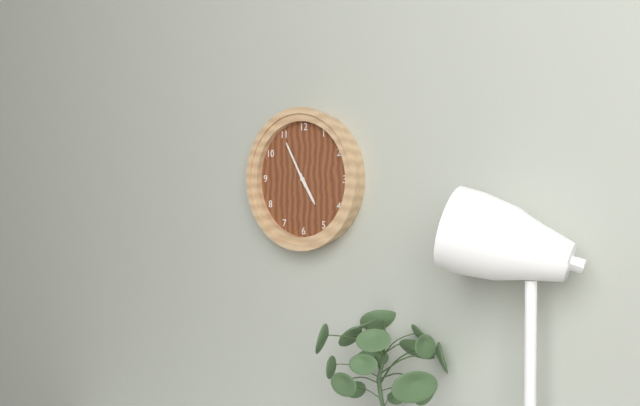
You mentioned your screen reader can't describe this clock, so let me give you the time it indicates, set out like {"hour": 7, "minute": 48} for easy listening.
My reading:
{"hour": 4, "minute": 55}
